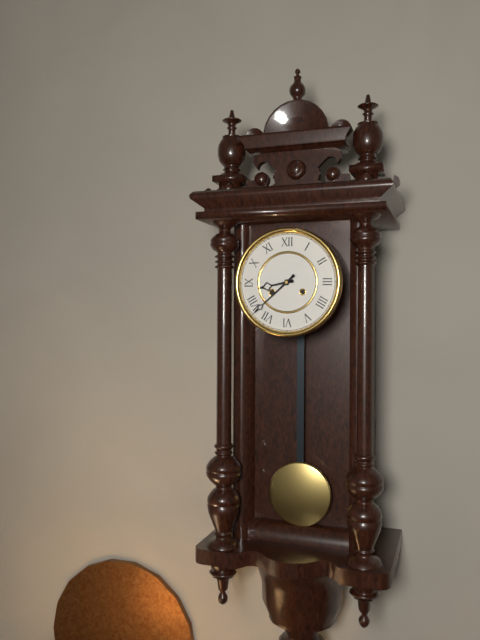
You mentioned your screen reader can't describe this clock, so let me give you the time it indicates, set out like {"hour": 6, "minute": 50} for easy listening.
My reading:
{"hour": 8, "minute": 38}
